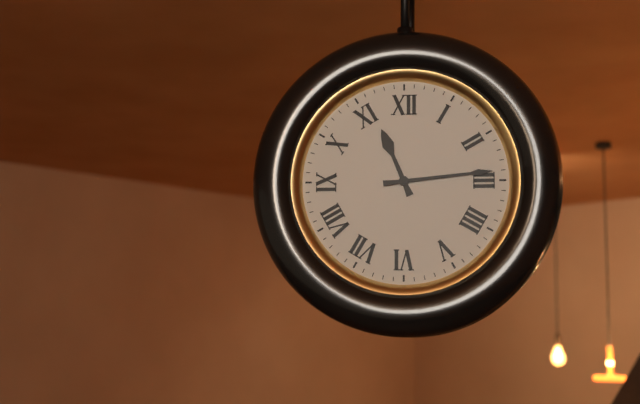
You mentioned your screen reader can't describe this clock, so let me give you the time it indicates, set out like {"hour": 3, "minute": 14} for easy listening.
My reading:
{"hour": 11, "minute": 14}
